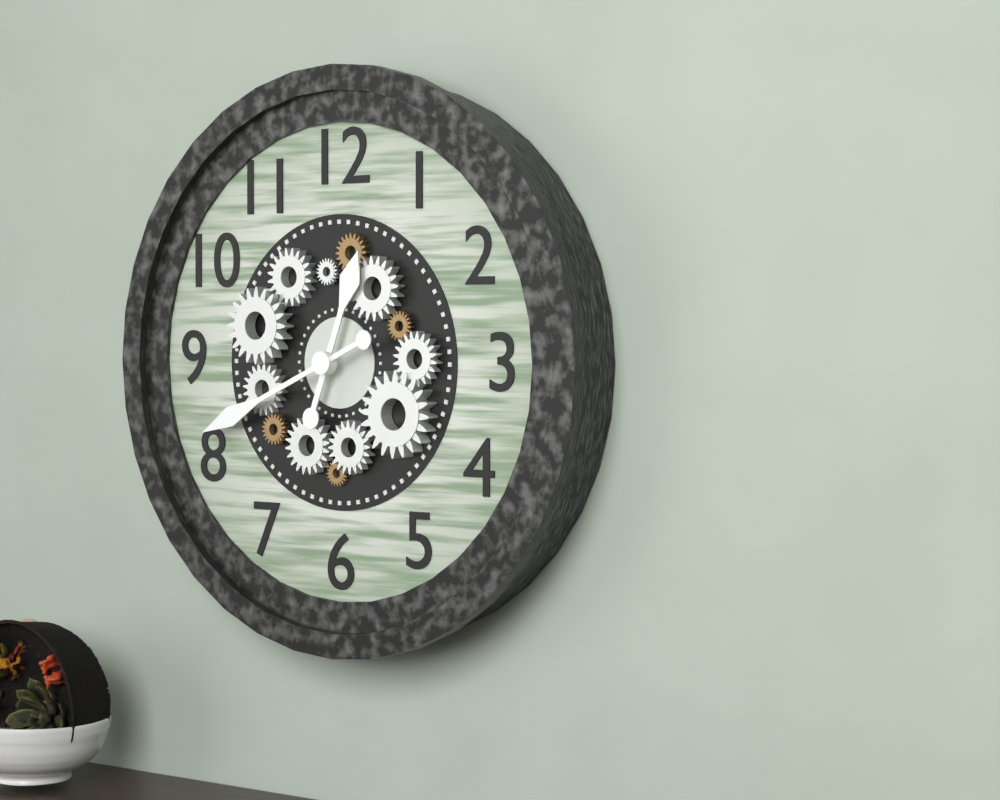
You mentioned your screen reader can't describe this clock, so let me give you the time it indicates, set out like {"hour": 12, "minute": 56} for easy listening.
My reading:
{"hour": 12, "minute": 41}
